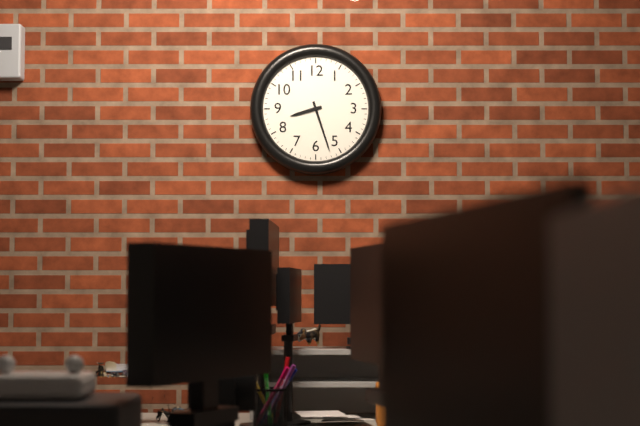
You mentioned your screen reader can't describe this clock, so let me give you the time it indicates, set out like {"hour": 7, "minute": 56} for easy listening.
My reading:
{"hour": 8, "minute": 27}
